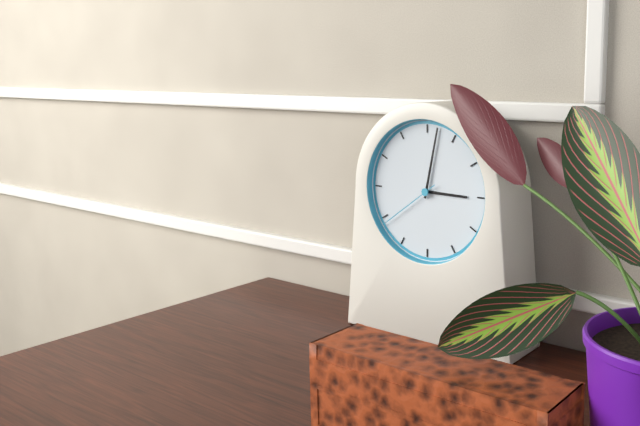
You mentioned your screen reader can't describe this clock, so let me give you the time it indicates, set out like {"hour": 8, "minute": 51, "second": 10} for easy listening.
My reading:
{"hour": 3, "minute": 2, "second": 39}
